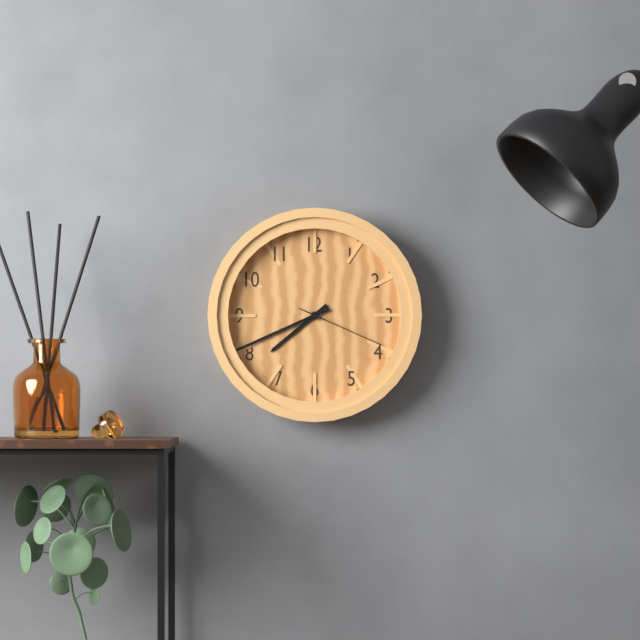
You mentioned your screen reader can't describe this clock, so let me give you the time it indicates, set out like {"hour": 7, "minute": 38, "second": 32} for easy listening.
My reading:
{"hour": 7, "minute": 41, "second": 19}
